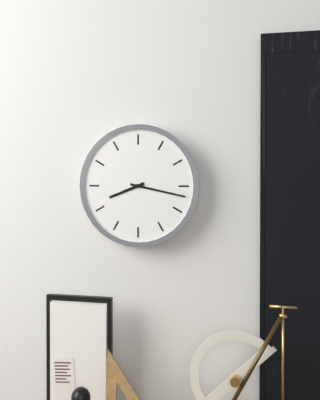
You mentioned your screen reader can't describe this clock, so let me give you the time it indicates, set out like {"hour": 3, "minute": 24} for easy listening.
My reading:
{"hour": 8, "minute": 17}
